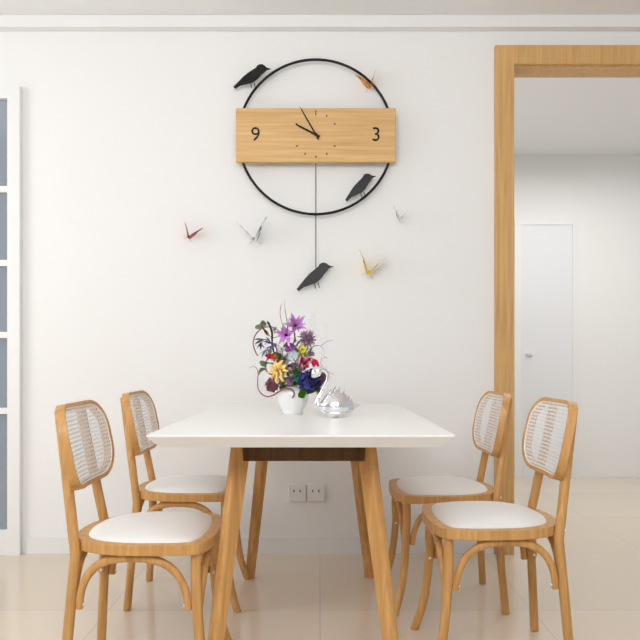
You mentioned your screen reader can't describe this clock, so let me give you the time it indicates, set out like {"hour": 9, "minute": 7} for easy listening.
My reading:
{"hour": 9, "minute": 55}
